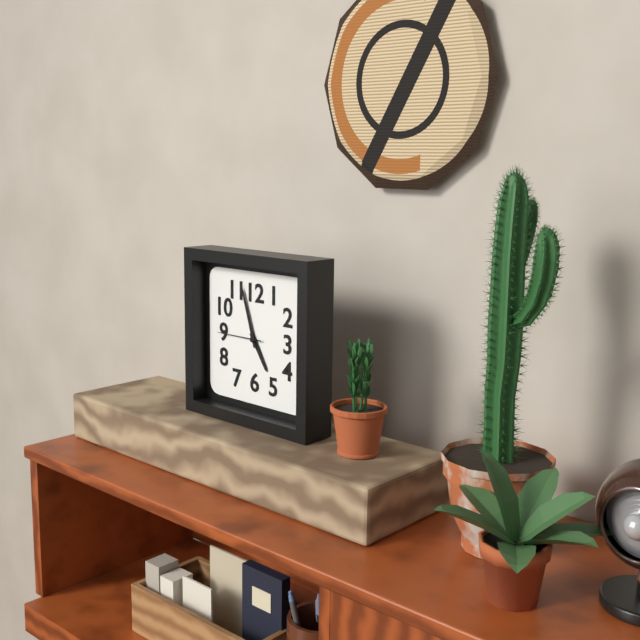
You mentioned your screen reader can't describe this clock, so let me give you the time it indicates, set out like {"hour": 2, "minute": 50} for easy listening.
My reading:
{"hour": 4, "minute": 57}
